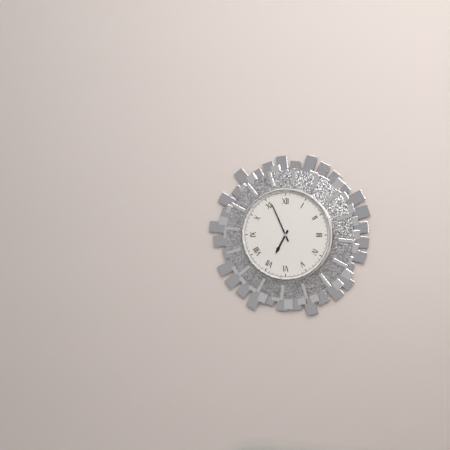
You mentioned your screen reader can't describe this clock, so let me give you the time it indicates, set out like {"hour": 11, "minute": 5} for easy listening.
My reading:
{"hour": 6, "minute": 56}
